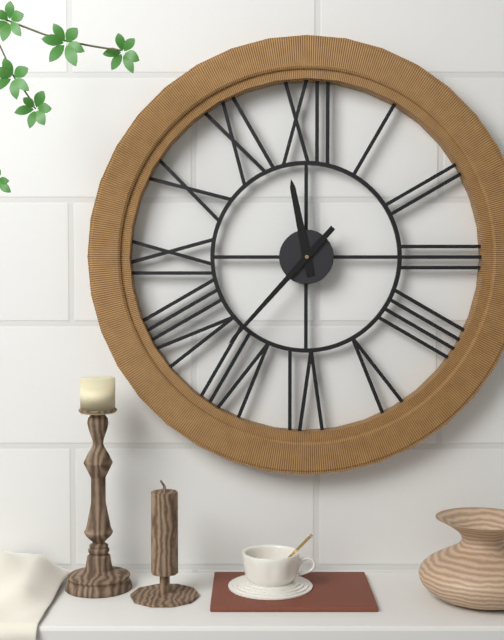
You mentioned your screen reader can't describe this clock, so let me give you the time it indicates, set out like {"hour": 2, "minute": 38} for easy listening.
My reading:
{"hour": 11, "minute": 37}
